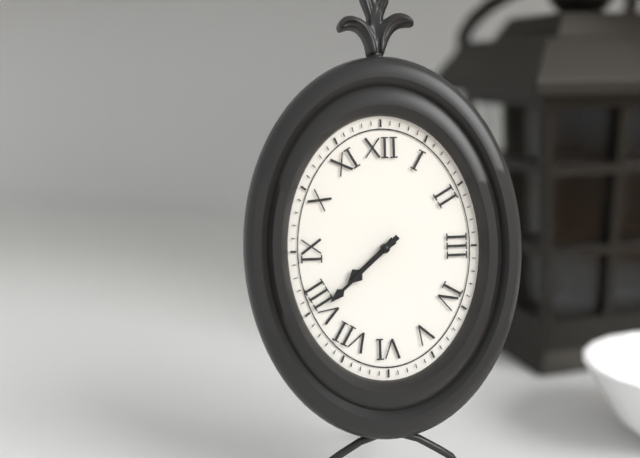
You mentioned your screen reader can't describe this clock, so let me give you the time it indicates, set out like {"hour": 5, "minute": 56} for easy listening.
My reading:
{"hour": 7, "minute": 38}
